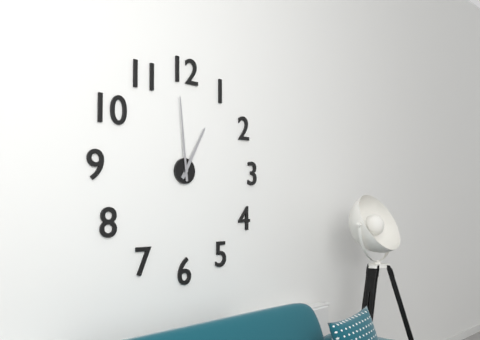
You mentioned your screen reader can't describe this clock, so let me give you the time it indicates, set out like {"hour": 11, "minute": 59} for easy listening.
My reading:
{"hour": 12, "minute": 59}
